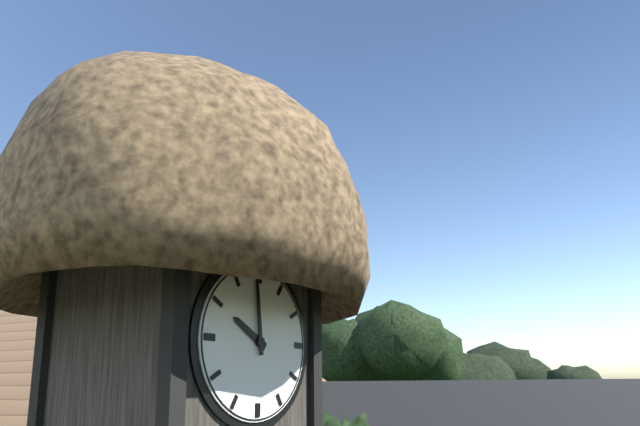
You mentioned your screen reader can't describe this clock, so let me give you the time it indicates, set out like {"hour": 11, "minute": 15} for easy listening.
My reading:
{"hour": 9, "minute": 59}
